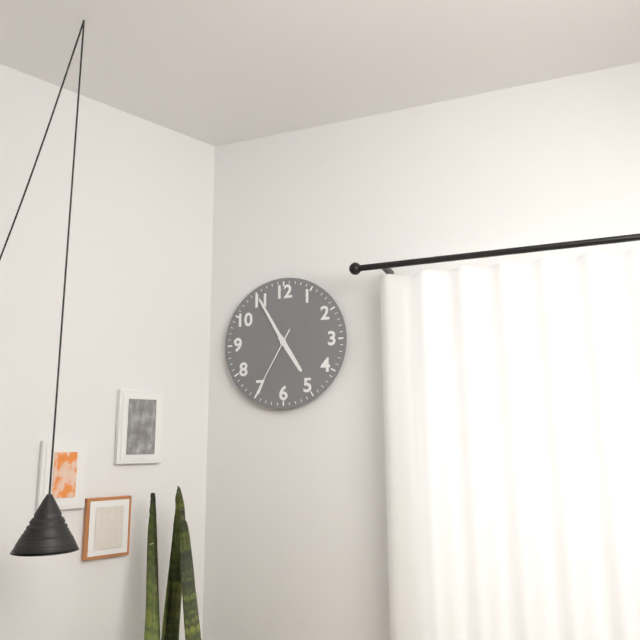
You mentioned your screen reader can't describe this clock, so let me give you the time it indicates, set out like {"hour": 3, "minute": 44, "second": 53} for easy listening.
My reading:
{"hour": 4, "minute": 55, "second": 35}
